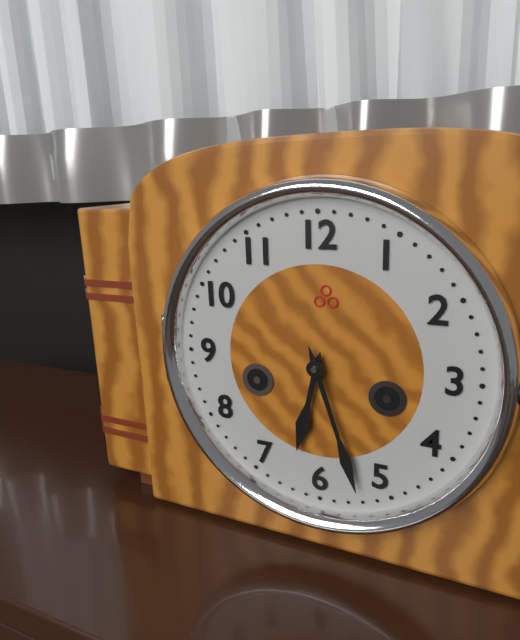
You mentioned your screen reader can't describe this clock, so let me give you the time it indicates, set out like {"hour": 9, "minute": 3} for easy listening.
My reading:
{"hour": 6, "minute": 27}
